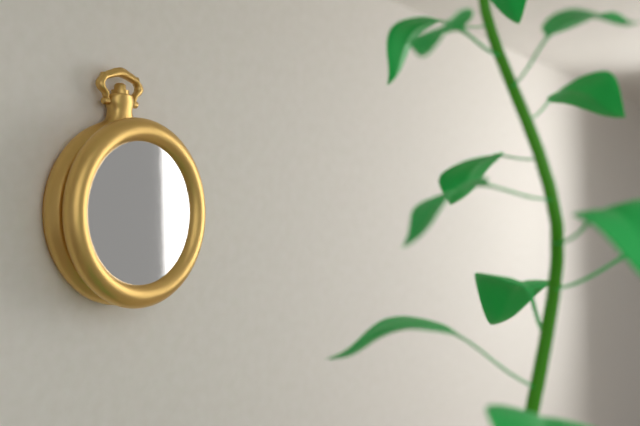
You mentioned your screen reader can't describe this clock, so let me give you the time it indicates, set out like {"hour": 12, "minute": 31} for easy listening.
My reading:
{"hour": 3, "minute": 1}
